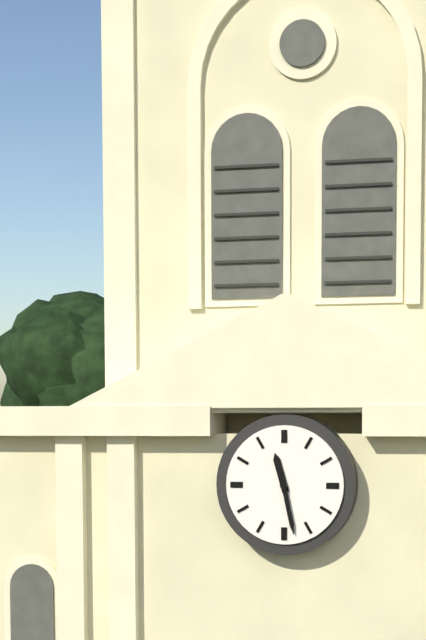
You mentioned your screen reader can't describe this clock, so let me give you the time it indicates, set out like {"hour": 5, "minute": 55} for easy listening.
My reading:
{"hour": 11, "minute": 28}
